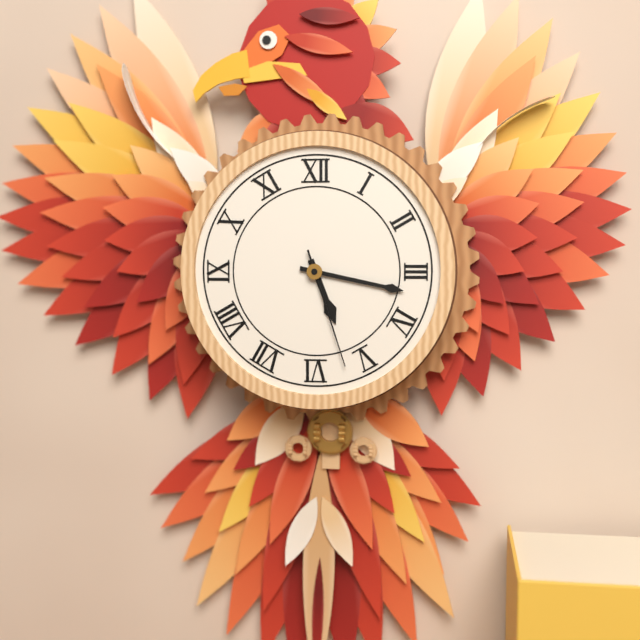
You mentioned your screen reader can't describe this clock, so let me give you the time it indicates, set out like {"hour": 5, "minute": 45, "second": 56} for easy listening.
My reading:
{"hour": 5, "minute": 17, "second": 27}
